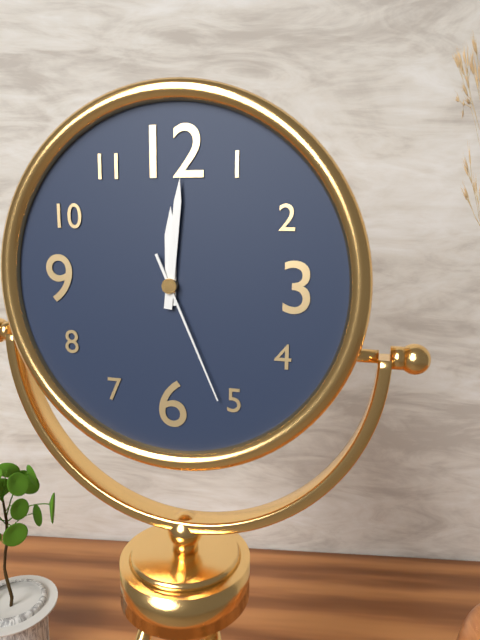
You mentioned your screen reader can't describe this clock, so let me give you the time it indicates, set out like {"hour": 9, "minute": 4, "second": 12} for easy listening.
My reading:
{"hour": 12, "minute": 1, "second": 26}
